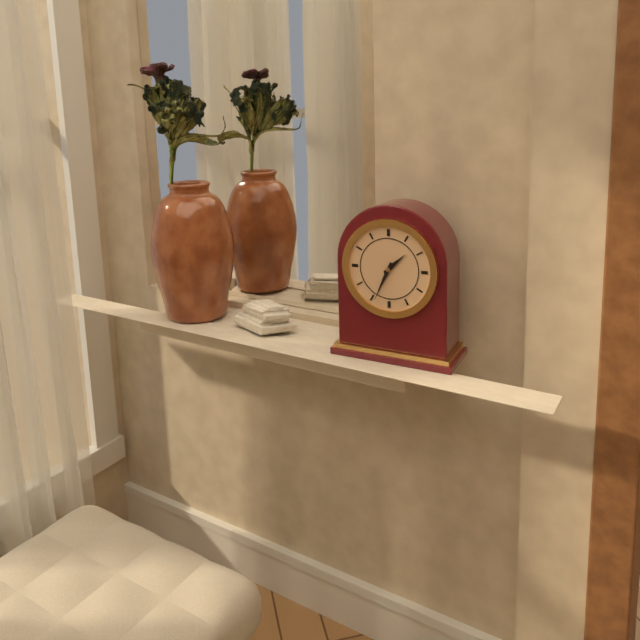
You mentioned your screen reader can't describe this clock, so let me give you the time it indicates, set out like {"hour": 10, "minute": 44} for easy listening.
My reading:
{"hour": 1, "minute": 34}
